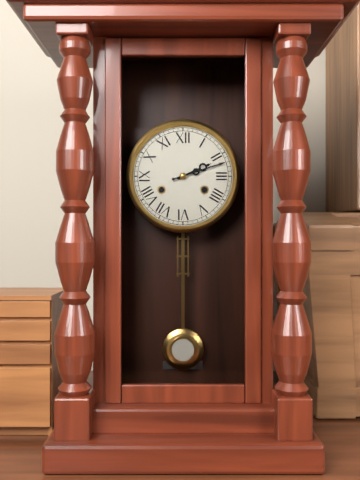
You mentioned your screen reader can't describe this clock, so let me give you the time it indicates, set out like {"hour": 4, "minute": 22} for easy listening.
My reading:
{"hour": 2, "minute": 12}
